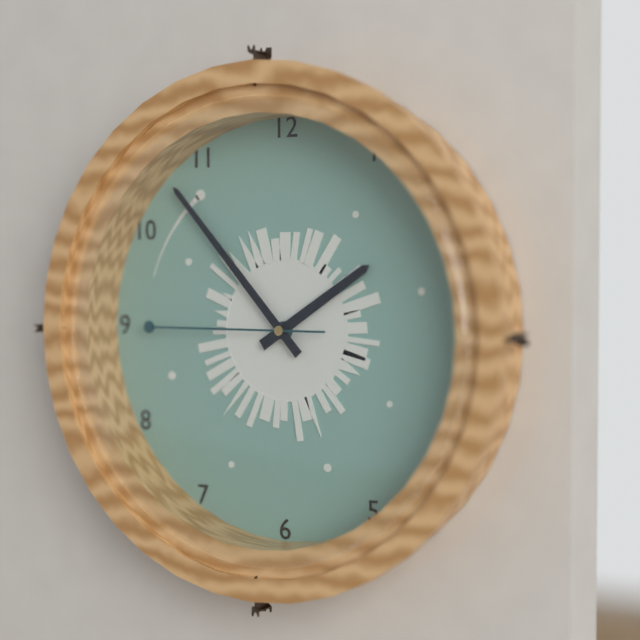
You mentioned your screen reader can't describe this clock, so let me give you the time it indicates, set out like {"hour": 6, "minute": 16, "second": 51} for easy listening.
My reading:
{"hour": 1, "minute": 53, "second": 45}
